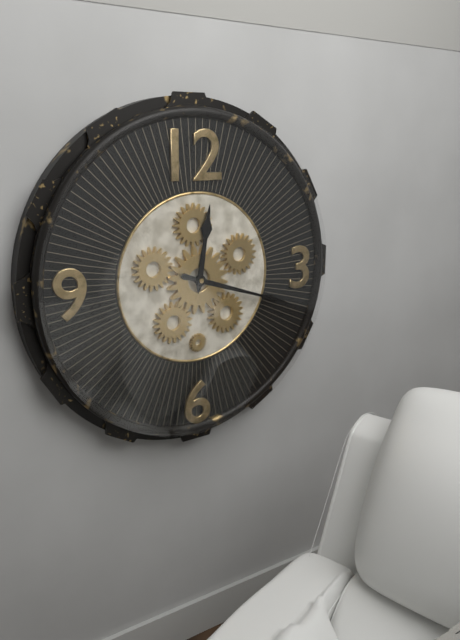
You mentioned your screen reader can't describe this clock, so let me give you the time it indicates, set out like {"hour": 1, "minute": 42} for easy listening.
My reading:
{"hour": 12, "minute": 18}
